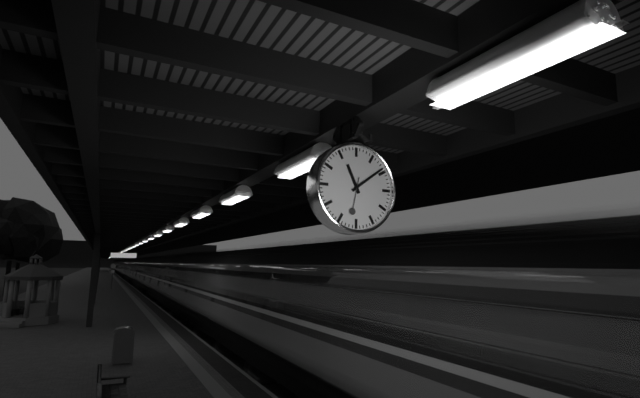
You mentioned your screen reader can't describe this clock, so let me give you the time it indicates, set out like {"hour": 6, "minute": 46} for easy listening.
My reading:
{"hour": 11, "minute": 9}
